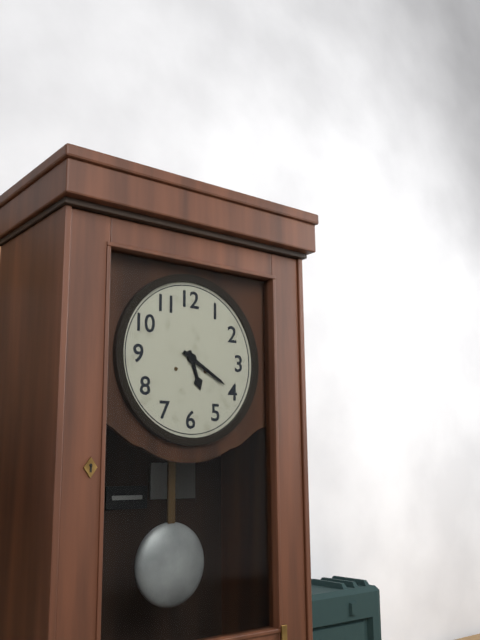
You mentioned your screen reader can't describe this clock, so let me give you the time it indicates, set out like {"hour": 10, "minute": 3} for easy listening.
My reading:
{"hour": 5, "minute": 20}
